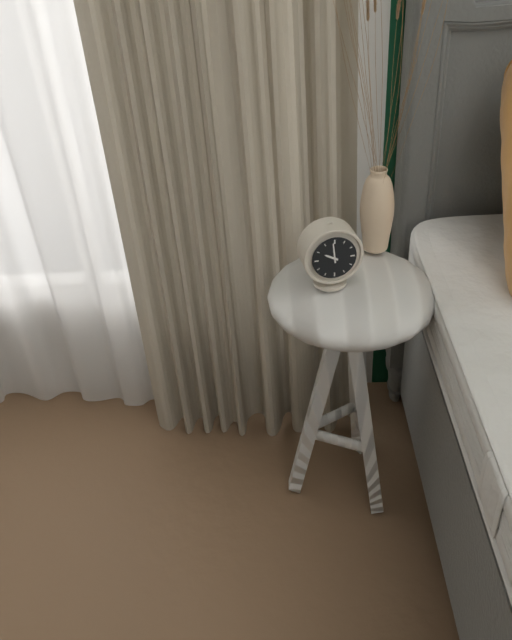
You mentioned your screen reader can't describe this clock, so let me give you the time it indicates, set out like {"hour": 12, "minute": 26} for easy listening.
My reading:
{"hour": 9, "minute": 59}
